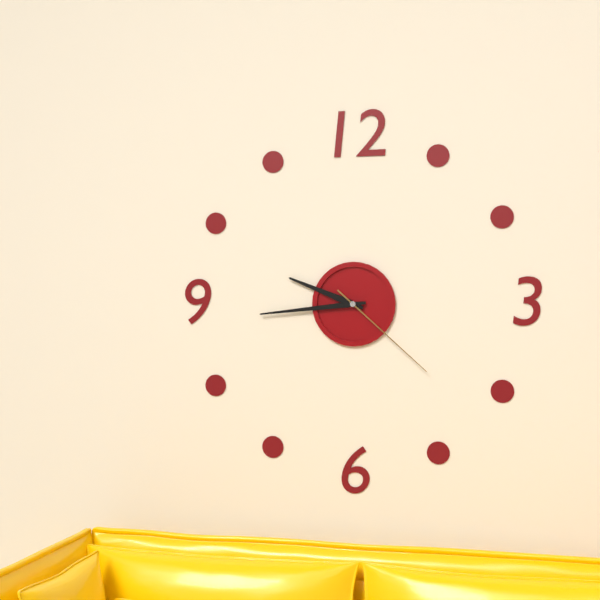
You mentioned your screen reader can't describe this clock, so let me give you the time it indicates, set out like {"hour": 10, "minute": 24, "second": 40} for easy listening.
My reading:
{"hour": 9, "minute": 44, "second": 22}
